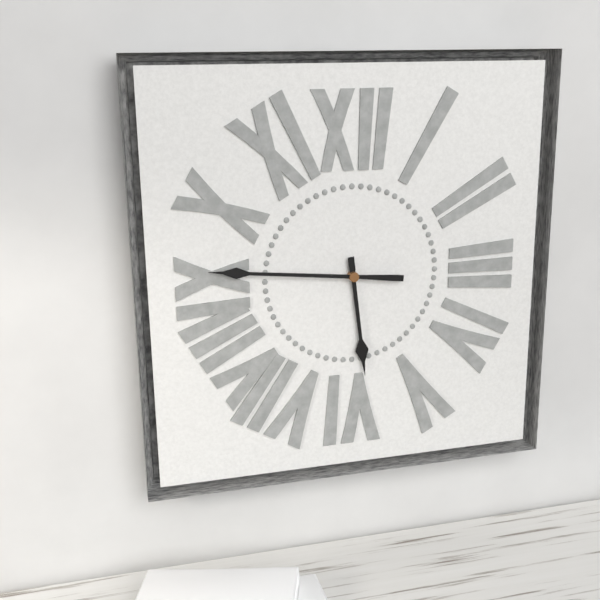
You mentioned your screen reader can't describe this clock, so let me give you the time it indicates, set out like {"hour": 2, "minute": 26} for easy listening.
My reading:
{"hour": 5, "minute": 46}
